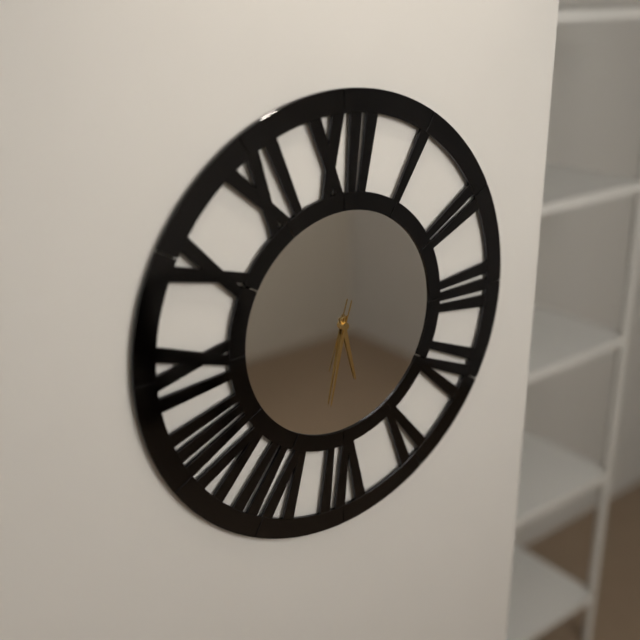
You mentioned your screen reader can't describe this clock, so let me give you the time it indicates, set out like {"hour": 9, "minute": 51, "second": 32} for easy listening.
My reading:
{"hour": 5, "minute": 32, "second": 33}
